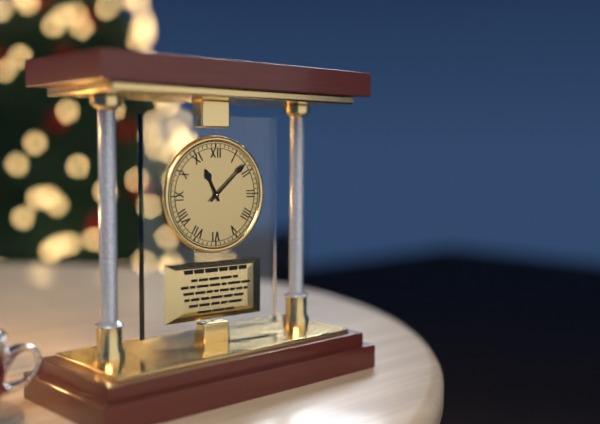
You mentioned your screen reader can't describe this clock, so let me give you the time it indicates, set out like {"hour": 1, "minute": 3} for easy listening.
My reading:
{"hour": 11, "minute": 8}
